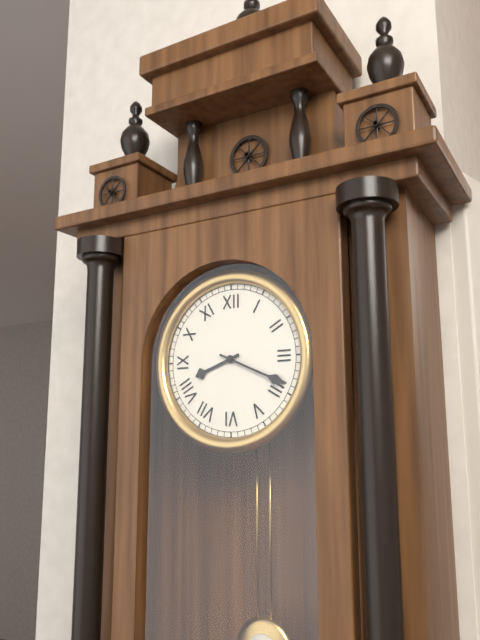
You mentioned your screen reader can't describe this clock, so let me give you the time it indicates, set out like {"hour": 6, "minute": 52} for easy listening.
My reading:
{"hour": 8, "minute": 19}
